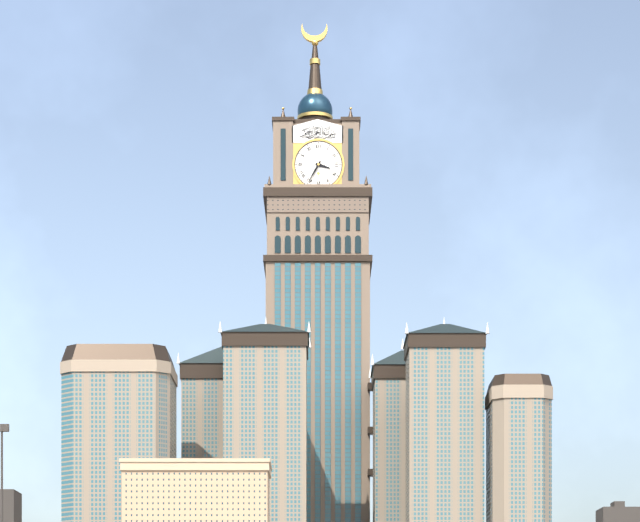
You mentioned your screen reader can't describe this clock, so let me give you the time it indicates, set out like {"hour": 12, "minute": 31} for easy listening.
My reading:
{"hour": 3, "minute": 35}
